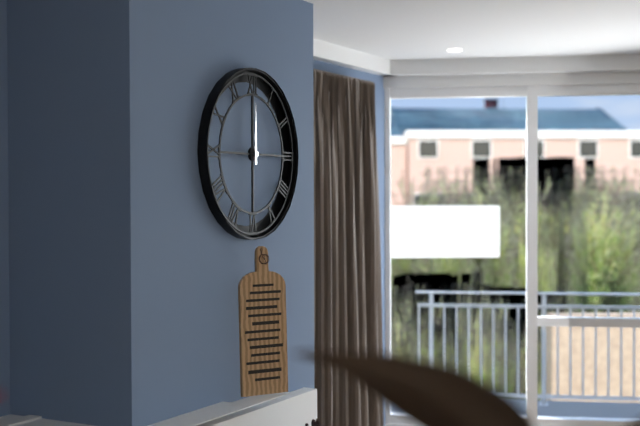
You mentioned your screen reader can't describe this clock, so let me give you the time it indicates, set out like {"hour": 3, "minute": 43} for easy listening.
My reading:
{"hour": 12, "minute": 0}
